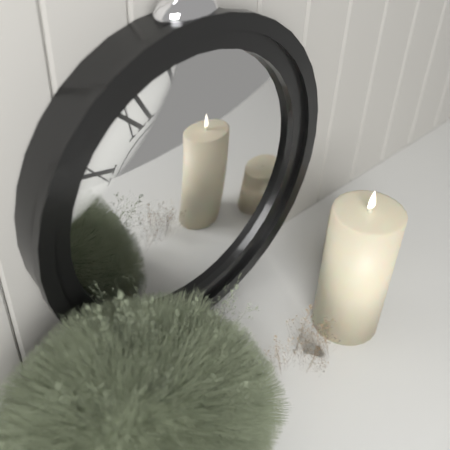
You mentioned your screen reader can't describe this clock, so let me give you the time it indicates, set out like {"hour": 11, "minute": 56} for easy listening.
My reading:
{"hour": 2, "minute": 48}
